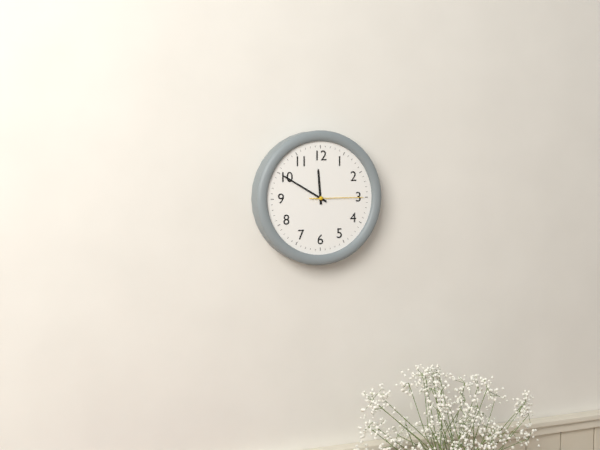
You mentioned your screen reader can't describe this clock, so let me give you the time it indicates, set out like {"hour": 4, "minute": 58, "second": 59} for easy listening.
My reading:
{"hour": 11, "minute": 50, "second": 15}
